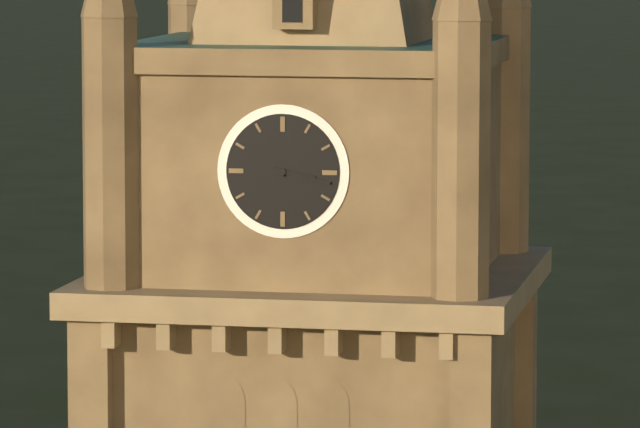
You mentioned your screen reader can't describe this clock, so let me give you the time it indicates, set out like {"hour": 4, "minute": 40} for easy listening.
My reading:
{"hour": 3, "minute": 17}
